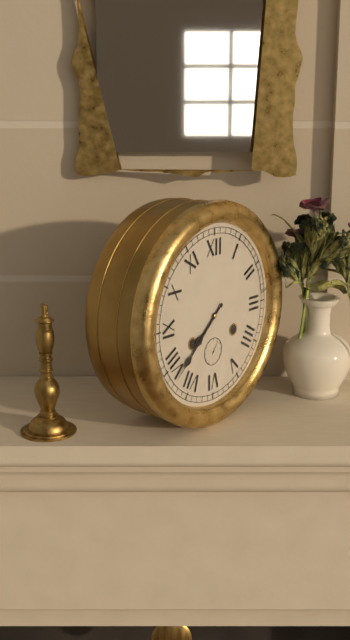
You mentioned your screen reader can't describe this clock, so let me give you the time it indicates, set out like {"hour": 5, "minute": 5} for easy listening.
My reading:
{"hour": 7, "minute": 38}
